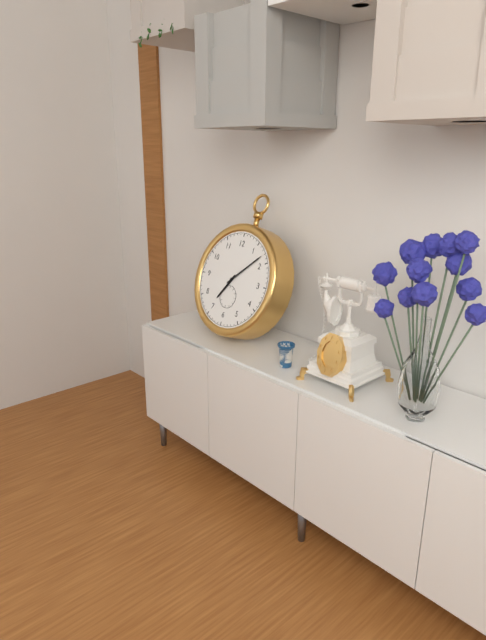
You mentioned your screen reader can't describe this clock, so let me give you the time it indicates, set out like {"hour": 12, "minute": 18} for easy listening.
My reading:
{"hour": 7, "minute": 8}
